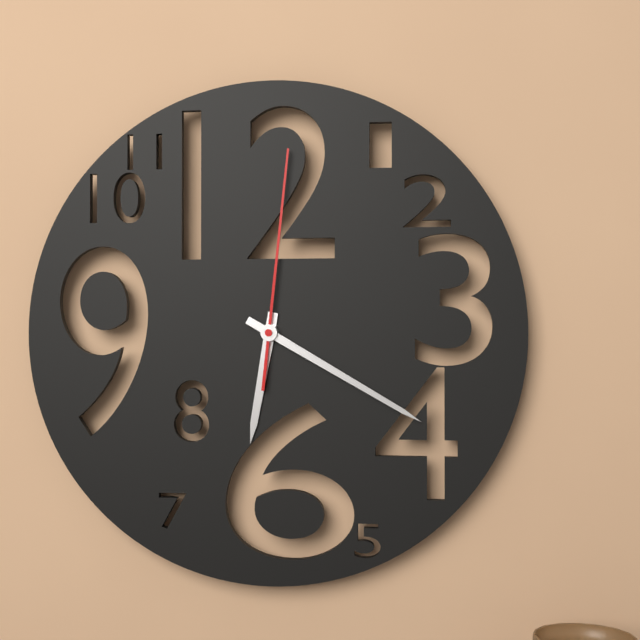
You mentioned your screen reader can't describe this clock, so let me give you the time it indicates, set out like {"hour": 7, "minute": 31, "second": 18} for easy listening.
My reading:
{"hour": 6, "minute": 20, "second": 1}
